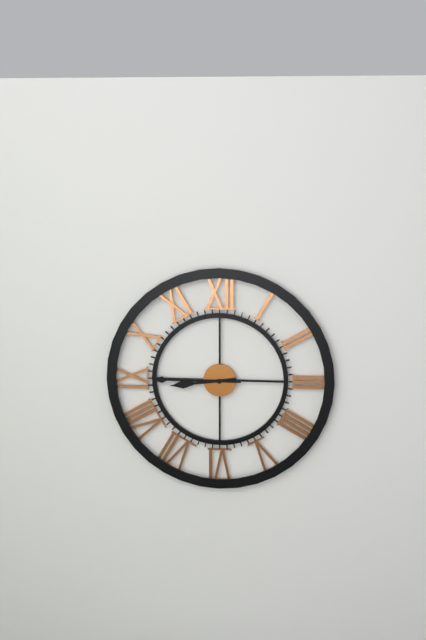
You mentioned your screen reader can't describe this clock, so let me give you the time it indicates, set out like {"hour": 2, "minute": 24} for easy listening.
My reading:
{"hour": 8, "minute": 45}
